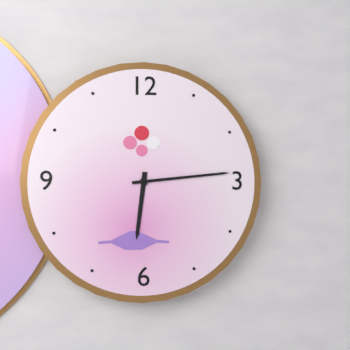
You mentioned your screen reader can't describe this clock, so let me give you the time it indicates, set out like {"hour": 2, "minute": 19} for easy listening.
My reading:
{"hour": 6, "minute": 14}
